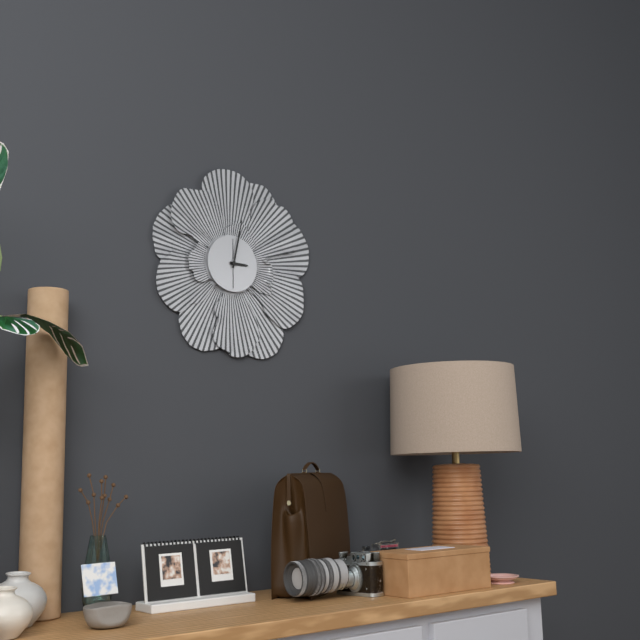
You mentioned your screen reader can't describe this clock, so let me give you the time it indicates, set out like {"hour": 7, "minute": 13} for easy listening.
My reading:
{"hour": 3, "minute": 2}
